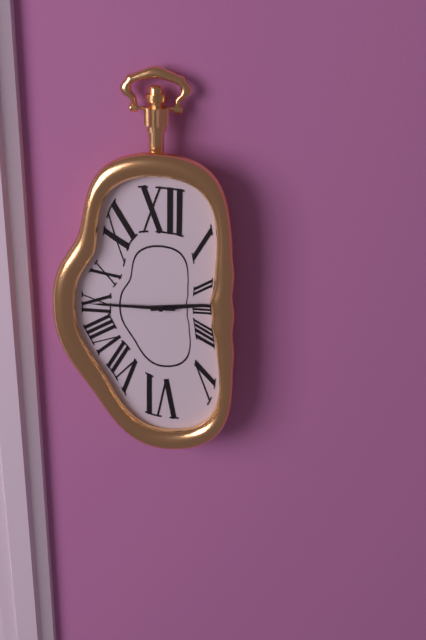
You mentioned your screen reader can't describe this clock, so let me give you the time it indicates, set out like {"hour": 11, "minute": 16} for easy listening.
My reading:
{"hour": 2, "minute": 45}
